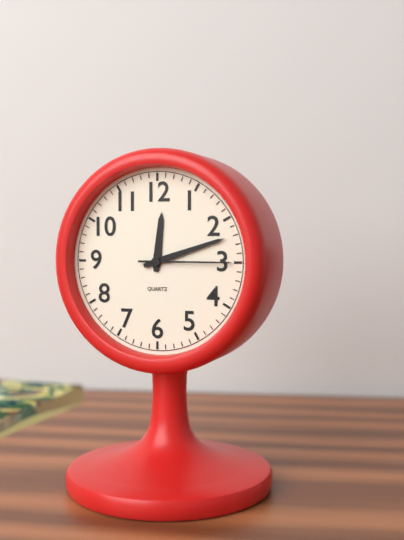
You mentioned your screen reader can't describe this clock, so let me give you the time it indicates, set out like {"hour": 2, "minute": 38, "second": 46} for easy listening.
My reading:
{"hour": 12, "minute": 12, "second": 15}
